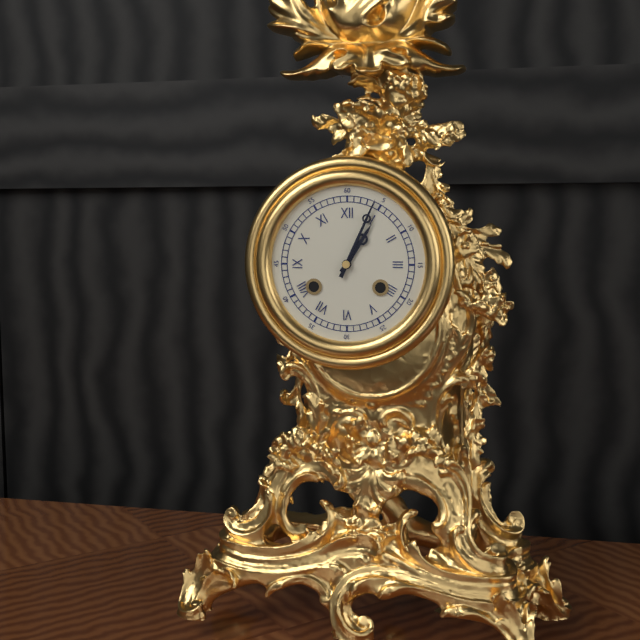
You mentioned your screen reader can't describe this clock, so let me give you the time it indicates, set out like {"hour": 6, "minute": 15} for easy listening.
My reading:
{"hour": 1, "minute": 4}
